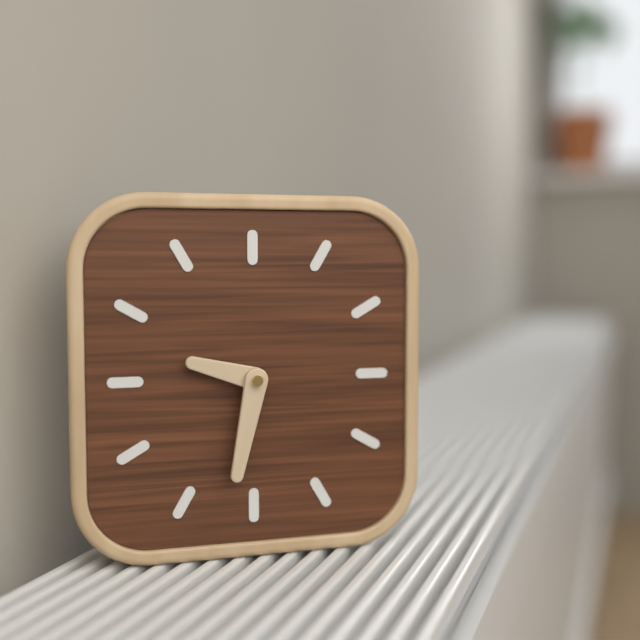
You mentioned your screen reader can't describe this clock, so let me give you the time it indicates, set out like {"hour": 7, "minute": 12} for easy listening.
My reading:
{"hour": 9, "minute": 32}
